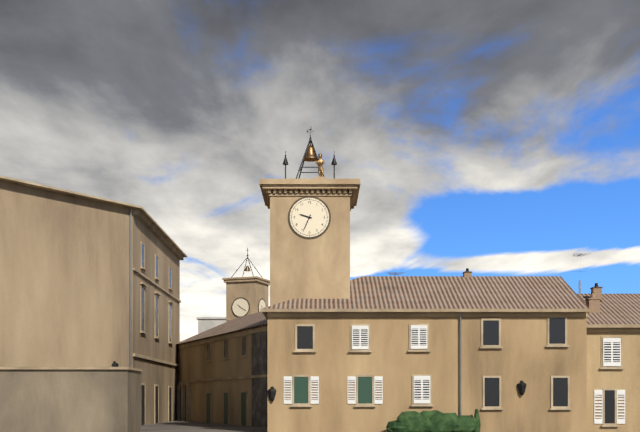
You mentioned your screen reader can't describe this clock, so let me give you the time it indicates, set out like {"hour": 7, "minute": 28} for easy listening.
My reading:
{"hour": 9, "minute": 34}
